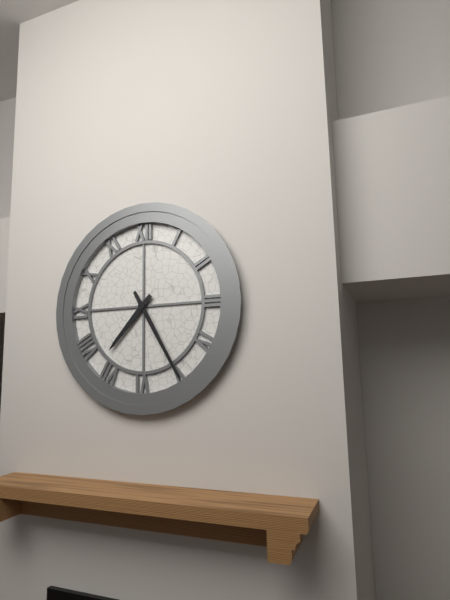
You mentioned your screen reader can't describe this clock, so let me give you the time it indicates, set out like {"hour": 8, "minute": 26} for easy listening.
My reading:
{"hour": 7, "minute": 25}
